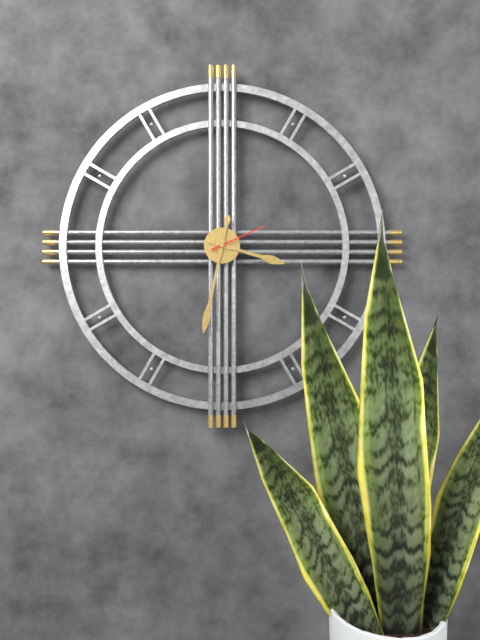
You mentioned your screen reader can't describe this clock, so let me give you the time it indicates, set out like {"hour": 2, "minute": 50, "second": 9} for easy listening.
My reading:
{"hour": 3, "minute": 32, "second": 11}
